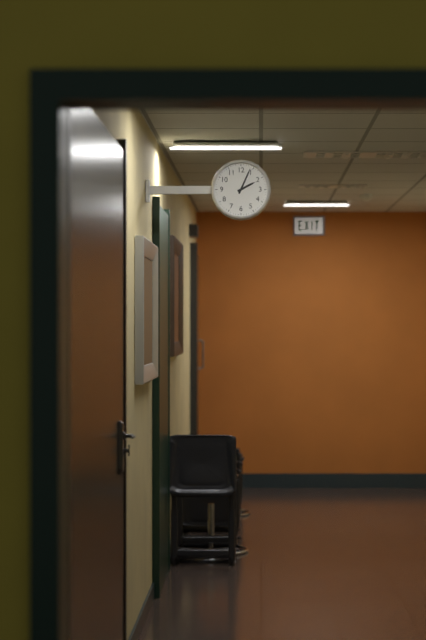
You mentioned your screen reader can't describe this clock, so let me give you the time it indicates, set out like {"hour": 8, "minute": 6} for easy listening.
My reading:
{"hour": 2, "minute": 4}
